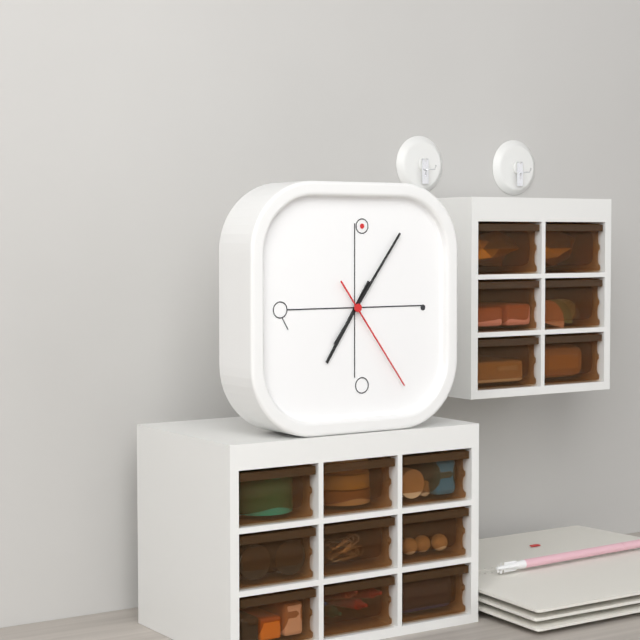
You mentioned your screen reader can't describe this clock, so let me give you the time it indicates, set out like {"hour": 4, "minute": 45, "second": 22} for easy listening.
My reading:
{"hour": 7, "minute": 6, "second": 24}
